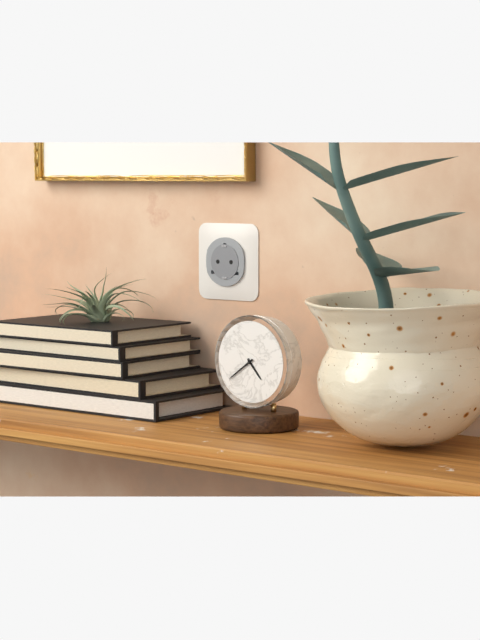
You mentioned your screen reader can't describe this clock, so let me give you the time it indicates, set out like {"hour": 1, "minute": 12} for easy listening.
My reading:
{"hour": 4, "minute": 39}
